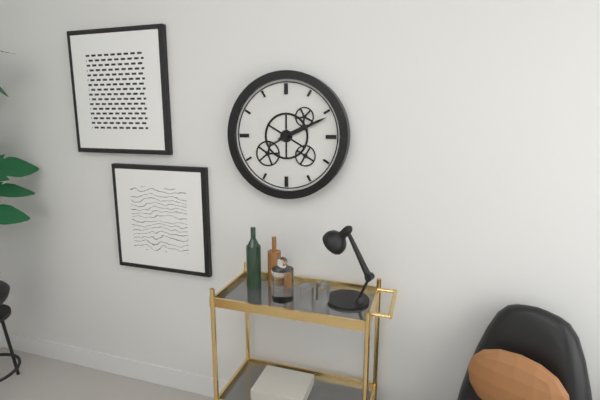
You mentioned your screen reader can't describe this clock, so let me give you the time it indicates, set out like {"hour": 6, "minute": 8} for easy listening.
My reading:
{"hour": 2, "minute": 11}
